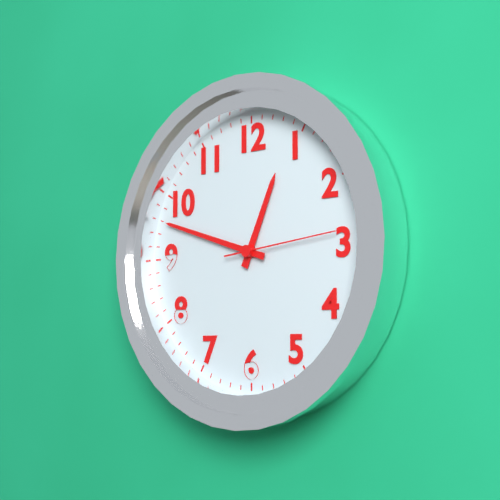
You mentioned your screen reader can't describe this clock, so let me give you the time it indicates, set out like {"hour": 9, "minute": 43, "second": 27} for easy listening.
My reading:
{"hour": 12, "minute": 48, "second": 14}
